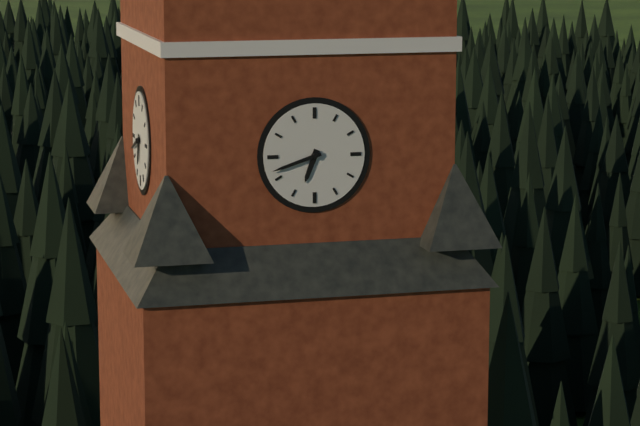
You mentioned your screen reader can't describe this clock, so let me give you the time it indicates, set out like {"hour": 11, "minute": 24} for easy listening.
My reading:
{"hour": 6, "minute": 42}
